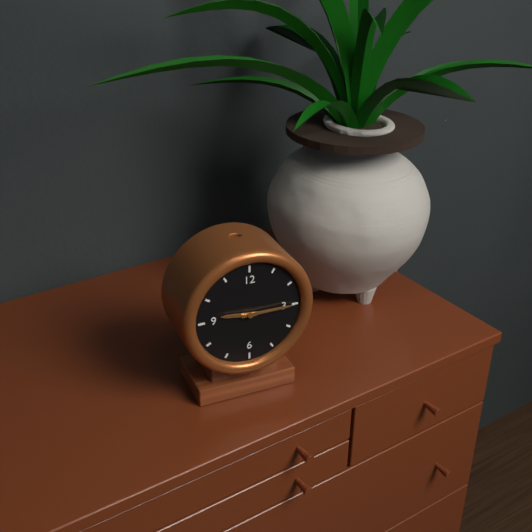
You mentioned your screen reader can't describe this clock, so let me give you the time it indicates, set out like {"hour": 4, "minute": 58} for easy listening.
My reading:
{"hour": 9, "minute": 15}
